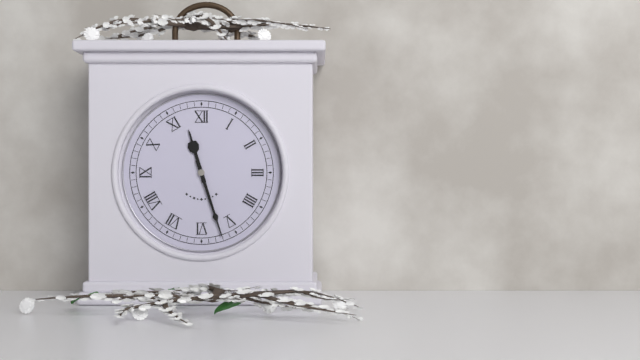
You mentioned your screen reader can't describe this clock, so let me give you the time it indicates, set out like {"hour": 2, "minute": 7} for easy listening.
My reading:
{"hour": 11, "minute": 27}
